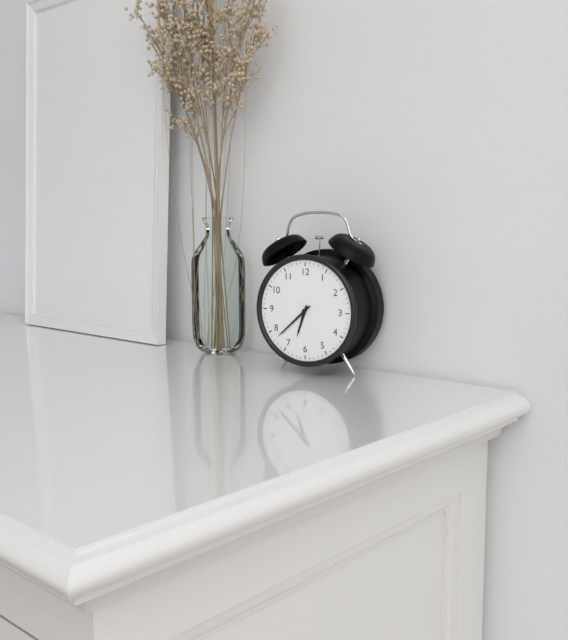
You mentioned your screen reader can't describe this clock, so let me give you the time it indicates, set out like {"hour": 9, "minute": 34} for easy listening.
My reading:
{"hour": 6, "minute": 38}
